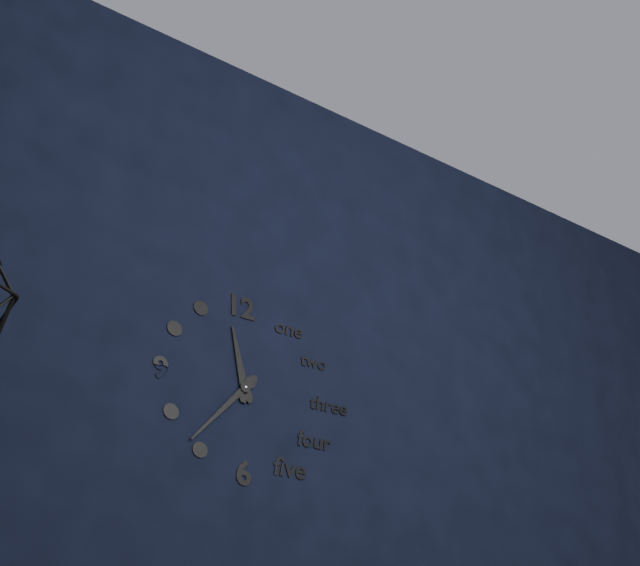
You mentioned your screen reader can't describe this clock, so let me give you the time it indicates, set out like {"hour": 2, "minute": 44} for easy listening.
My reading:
{"hour": 11, "minute": 37}
